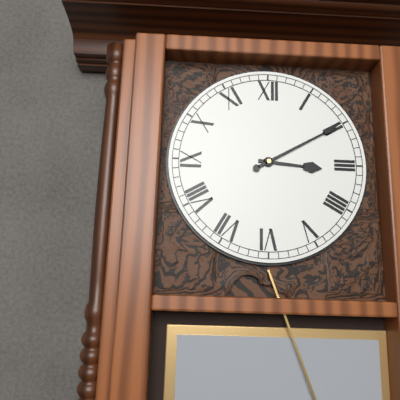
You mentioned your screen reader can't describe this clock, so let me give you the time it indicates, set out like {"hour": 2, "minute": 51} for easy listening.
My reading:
{"hour": 3, "minute": 10}
